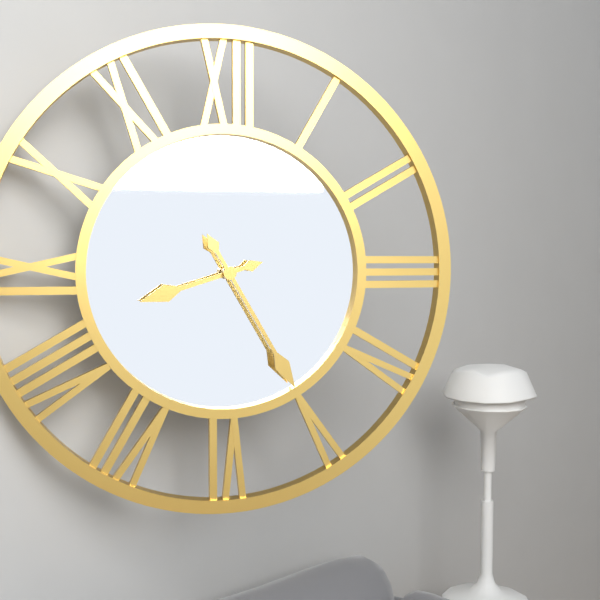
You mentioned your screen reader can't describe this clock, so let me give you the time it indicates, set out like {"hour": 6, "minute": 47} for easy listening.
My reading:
{"hour": 8, "minute": 25}
